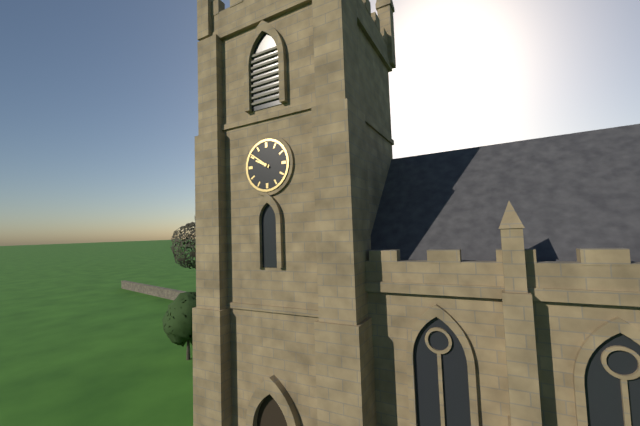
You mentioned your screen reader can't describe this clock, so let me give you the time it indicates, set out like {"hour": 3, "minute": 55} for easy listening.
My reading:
{"hour": 9, "minute": 51}
